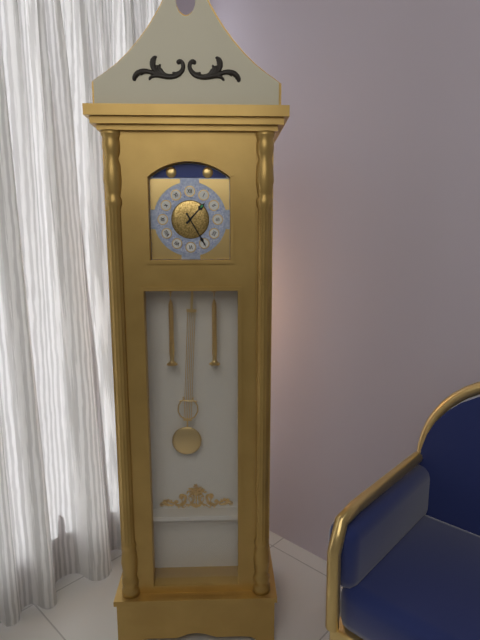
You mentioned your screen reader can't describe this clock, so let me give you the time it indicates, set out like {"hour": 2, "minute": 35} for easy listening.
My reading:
{"hour": 1, "minute": 25}
